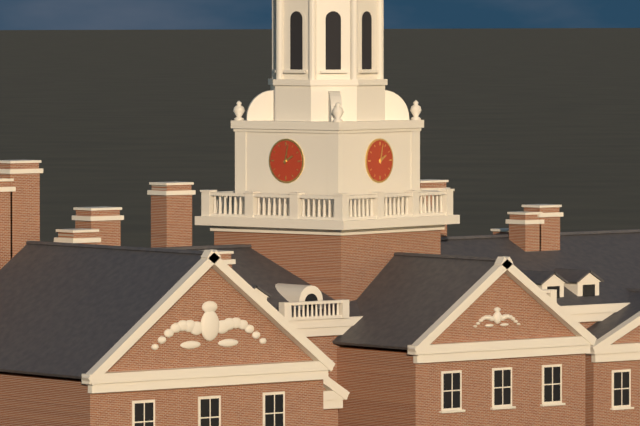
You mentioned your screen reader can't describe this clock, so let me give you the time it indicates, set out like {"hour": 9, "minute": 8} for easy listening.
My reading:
{"hour": 2, "minute": 2}
